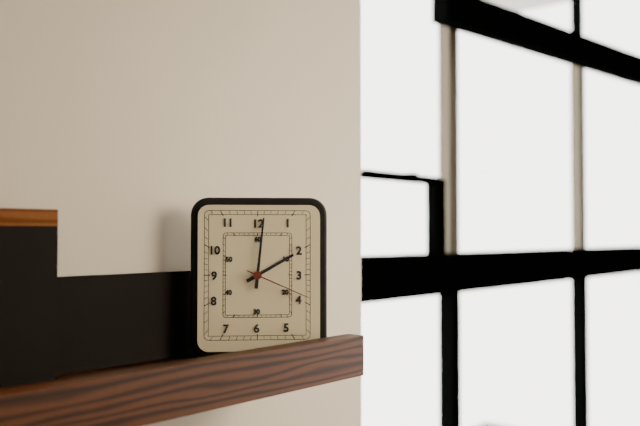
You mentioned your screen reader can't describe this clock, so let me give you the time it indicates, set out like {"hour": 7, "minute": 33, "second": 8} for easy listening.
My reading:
{"hour": 2, "minute": 1, "second": 19}
